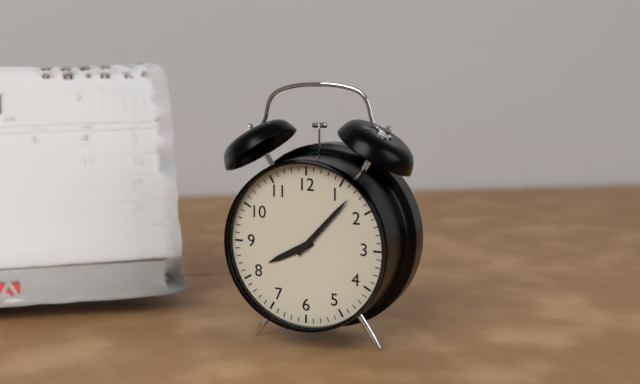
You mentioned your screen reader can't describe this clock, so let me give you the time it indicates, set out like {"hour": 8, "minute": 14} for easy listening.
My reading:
{"hour": 8, "minute": 7}
